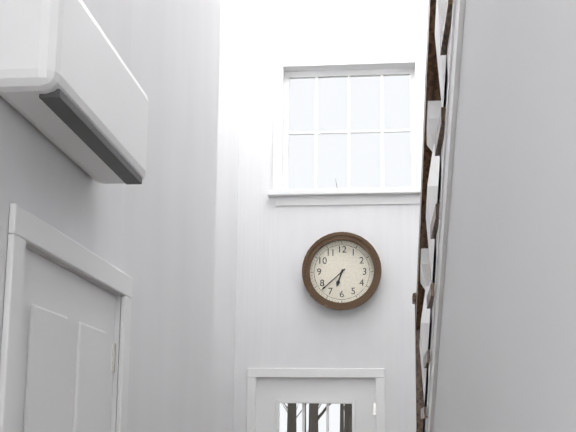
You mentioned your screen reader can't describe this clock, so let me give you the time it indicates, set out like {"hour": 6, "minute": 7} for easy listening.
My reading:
{"hour": 6, "minute": 38}
